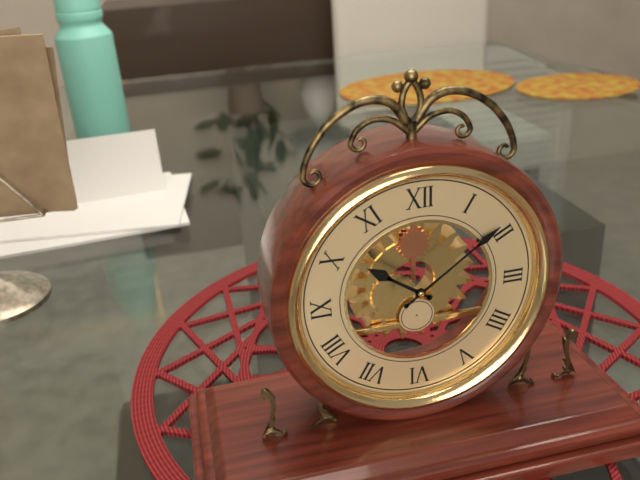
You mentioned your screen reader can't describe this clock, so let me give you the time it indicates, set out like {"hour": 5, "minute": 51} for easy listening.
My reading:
{"hour": 10, "minute": 9}
